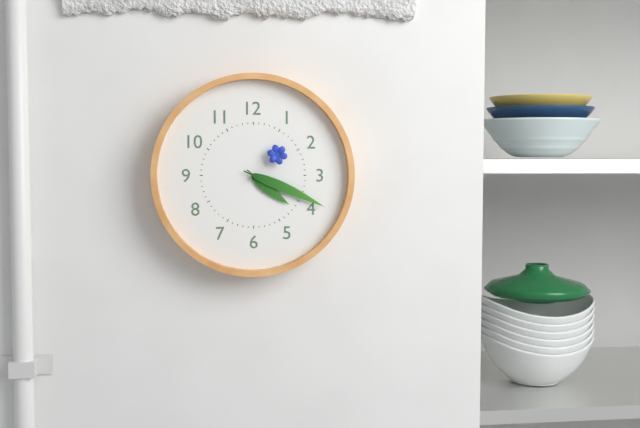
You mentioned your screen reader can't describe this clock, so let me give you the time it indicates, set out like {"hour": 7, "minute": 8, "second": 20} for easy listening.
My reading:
{"hour": 4, "minute": 19, "second": 8}
